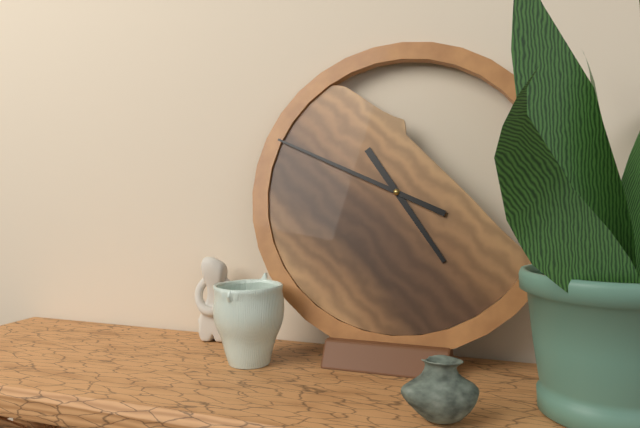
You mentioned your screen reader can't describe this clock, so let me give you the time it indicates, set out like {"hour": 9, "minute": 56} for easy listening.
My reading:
{"hour": 4, "minute": 49}
